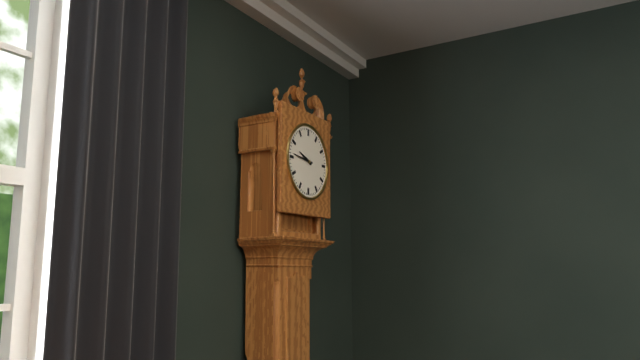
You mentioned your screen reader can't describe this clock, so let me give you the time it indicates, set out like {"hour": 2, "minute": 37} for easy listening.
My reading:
{"hour": 9, "minute": 46}
